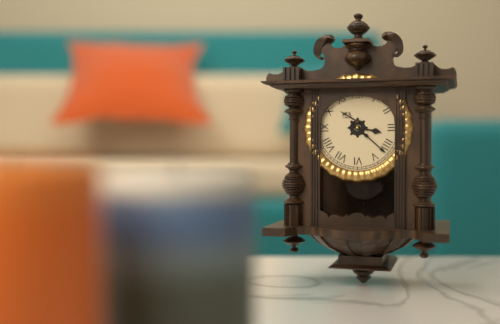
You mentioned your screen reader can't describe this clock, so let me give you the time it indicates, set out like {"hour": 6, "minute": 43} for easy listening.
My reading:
{"hour": 3, "minute": 22}
